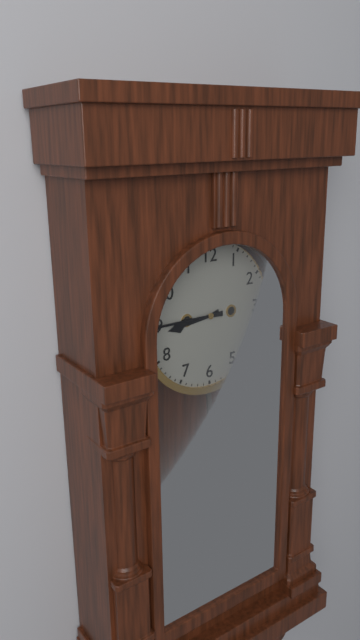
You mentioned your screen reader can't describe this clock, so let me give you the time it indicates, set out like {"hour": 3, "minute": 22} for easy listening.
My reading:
{"hour": 8, "minute": 45}
